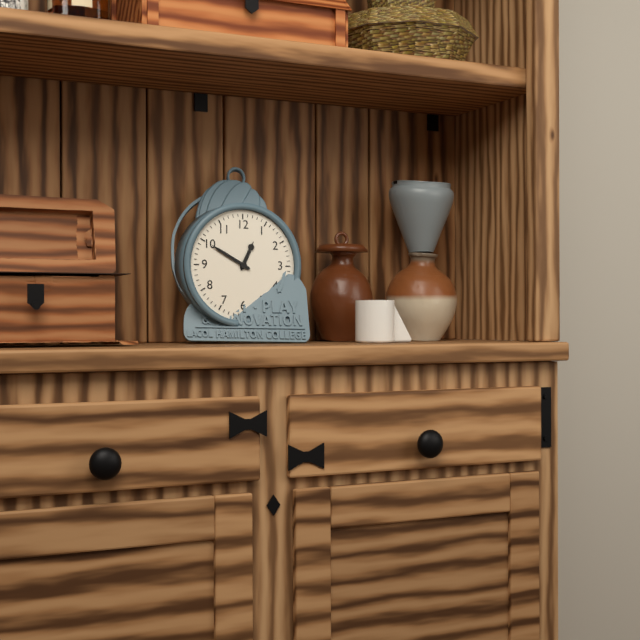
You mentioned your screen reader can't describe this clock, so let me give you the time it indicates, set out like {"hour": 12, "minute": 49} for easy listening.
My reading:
{"hour": 12, "minute": 50}
